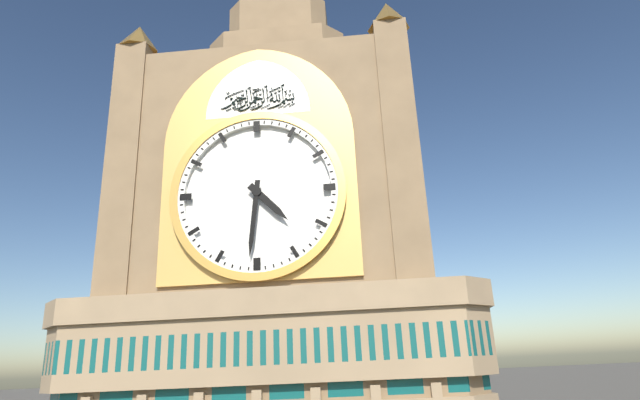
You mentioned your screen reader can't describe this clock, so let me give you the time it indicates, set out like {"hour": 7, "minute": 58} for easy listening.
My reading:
{"hour": 4, "minute": 31}
